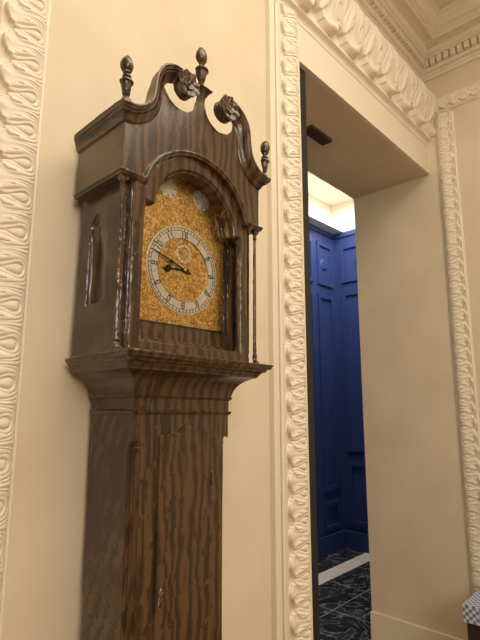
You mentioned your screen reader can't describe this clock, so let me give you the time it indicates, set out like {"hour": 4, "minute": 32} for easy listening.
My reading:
{"hour": 8, "minute": 48}
